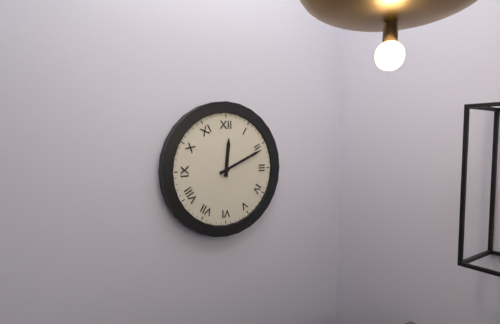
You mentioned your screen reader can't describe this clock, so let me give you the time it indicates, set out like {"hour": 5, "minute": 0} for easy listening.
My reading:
{"hour": 12, "minute": 11}
